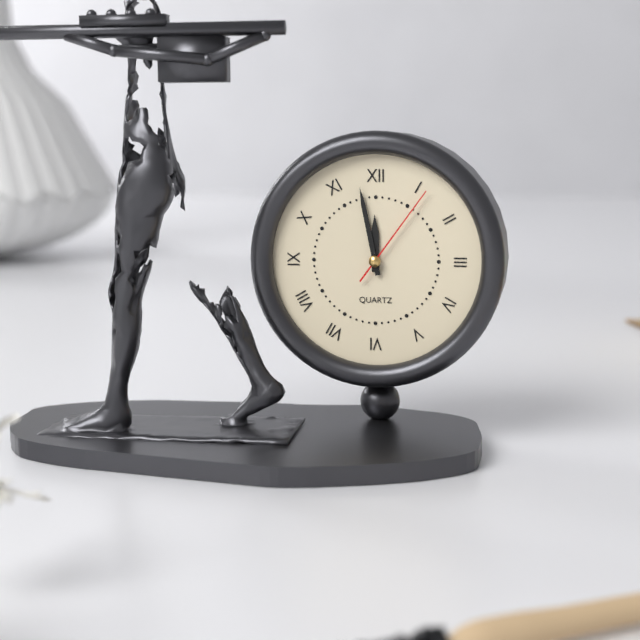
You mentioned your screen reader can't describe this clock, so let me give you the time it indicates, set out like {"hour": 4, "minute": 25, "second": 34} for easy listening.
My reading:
{"hour": 11, "minute": 58, "second": 6}
